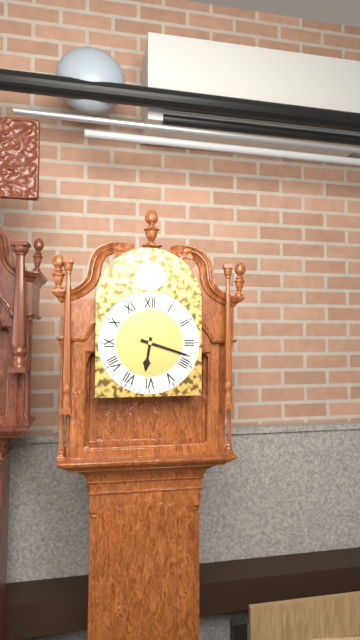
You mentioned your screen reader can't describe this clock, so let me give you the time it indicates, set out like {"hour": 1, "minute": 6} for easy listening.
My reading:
{"hour": 6, "minute": 18}
